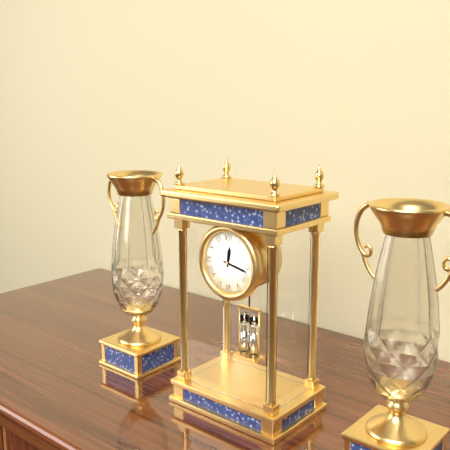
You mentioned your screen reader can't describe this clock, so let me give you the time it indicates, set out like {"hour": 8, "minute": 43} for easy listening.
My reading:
{"hour": 12, "minute": 17}
